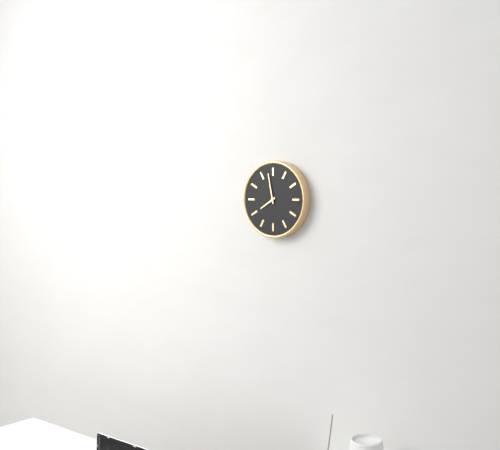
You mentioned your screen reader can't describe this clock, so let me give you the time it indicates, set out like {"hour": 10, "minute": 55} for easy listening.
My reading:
{"hour": 7, "minute": 58}
